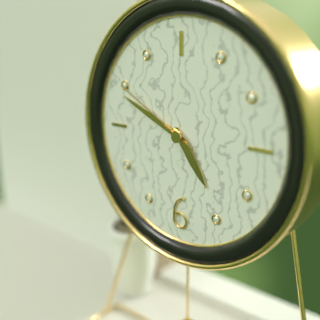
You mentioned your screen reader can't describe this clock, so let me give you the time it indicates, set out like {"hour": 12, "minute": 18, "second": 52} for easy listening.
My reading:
{"hour": 4, "minute": 49, "second": 50}
